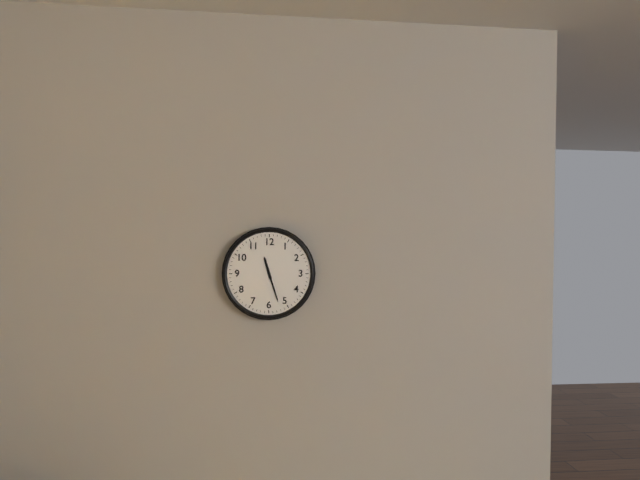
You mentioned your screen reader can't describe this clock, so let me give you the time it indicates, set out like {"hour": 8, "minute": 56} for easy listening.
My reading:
{"hour": 11, "minute": 27}
